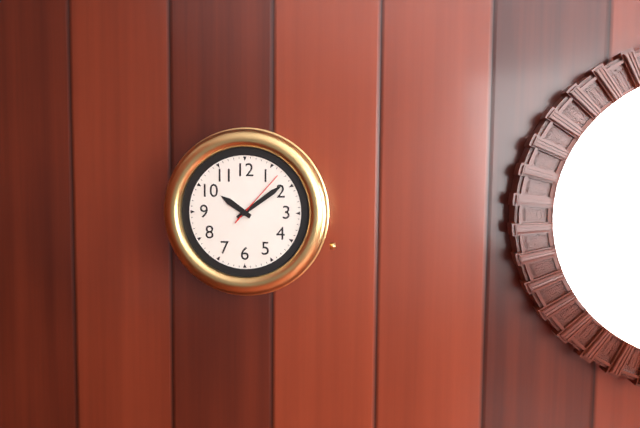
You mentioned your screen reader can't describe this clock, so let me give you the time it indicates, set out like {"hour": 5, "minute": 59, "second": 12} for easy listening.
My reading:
{"hour": 10, "minute": 9, "second": 7}
